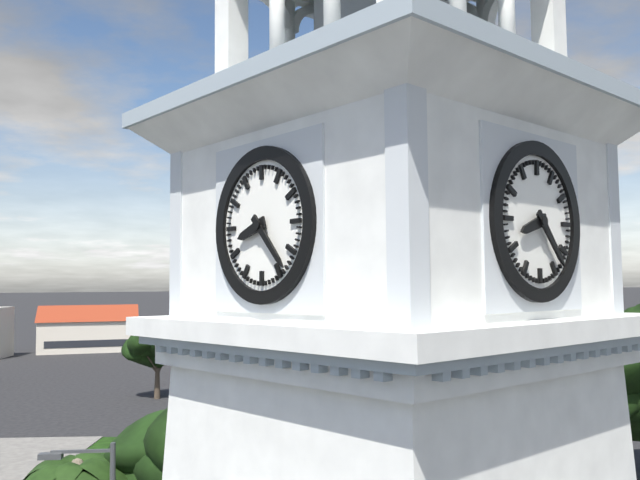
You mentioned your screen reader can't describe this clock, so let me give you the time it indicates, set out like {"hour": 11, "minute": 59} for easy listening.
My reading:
{"hour": 8, "minute": 23}
